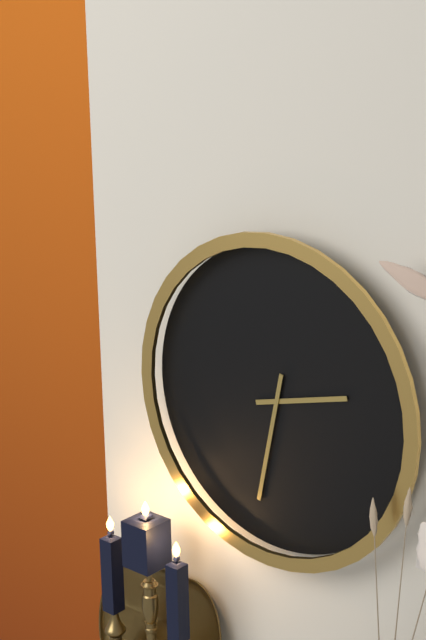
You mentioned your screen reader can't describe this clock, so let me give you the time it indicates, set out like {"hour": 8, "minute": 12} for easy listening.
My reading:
{"hour": 2, "minute": 32}
